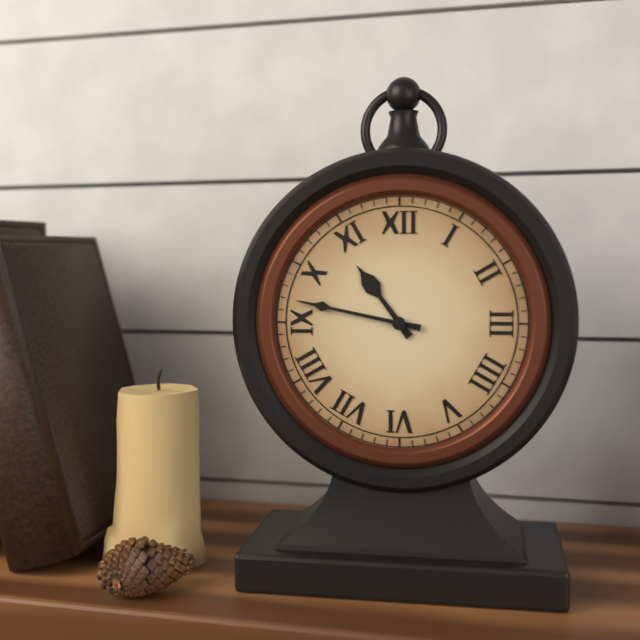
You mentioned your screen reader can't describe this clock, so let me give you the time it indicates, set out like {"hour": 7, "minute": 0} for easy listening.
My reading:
{"hour": 10, "minute": 47}
